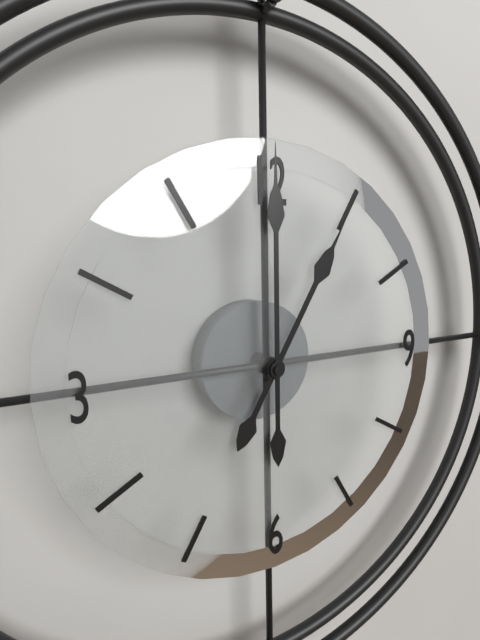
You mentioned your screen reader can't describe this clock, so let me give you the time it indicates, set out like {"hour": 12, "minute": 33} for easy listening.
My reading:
{"hour": 1, "minute": 0}
